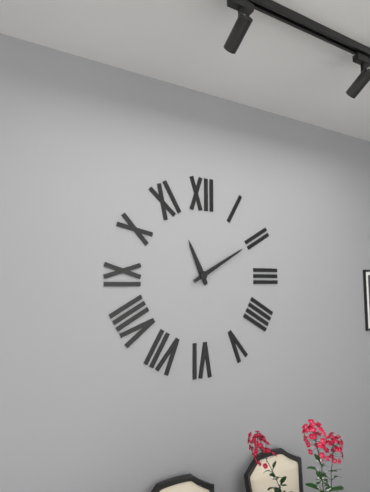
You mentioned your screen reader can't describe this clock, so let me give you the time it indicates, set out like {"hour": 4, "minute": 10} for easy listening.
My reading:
{"hour": 11, "minute": 10}
